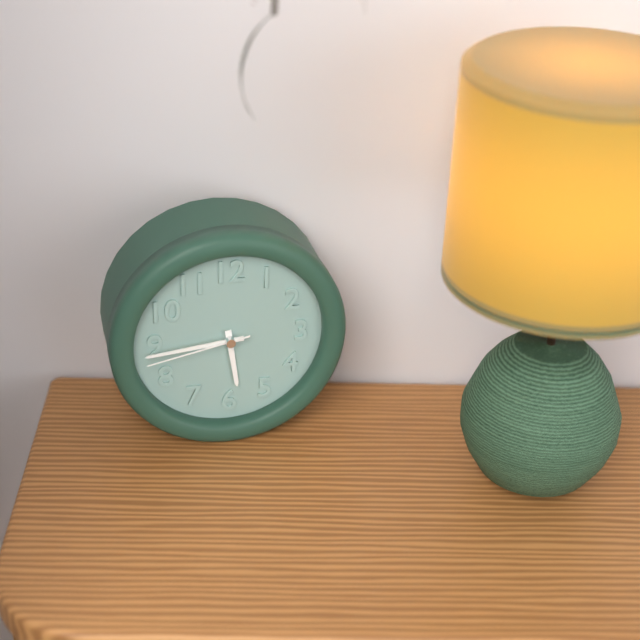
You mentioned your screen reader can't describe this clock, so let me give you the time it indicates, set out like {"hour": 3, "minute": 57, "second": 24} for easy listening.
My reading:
{"hour": 5, "minute": 44, "second": 43}
